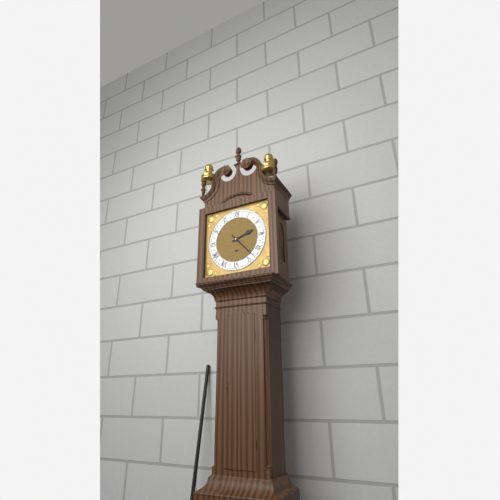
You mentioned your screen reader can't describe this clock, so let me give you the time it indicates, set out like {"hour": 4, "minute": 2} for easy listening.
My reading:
{"hour": 2, "minute": 23}
